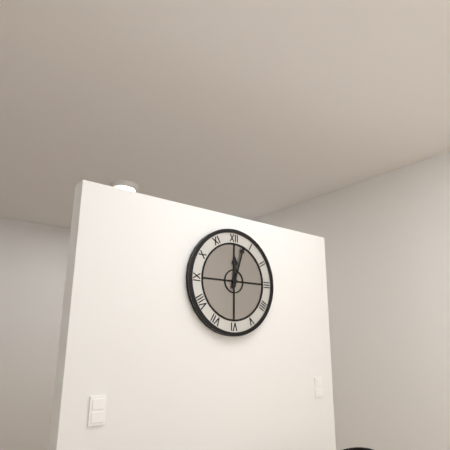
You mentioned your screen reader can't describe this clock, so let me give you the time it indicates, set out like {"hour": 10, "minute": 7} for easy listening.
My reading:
{"hour": 12, "minute": 3}
